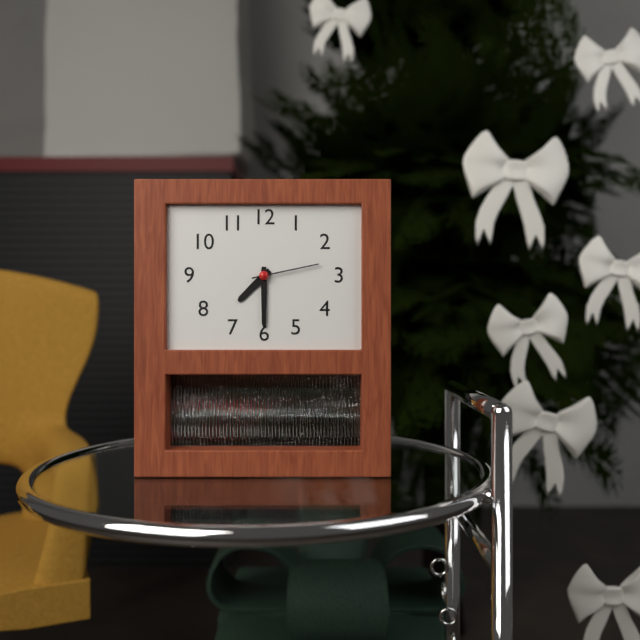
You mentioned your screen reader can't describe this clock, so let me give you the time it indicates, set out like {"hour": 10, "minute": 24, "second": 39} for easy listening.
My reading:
{"hour": 7, "minute": 30, "second": 13}
